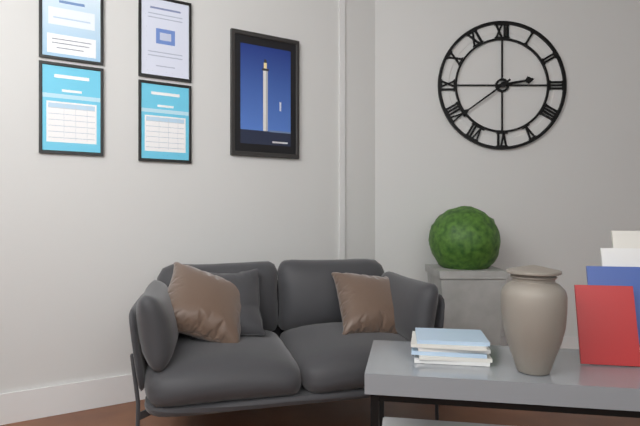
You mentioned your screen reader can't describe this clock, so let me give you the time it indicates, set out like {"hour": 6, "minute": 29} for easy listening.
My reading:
{"hour": 2, "minute": 39}
